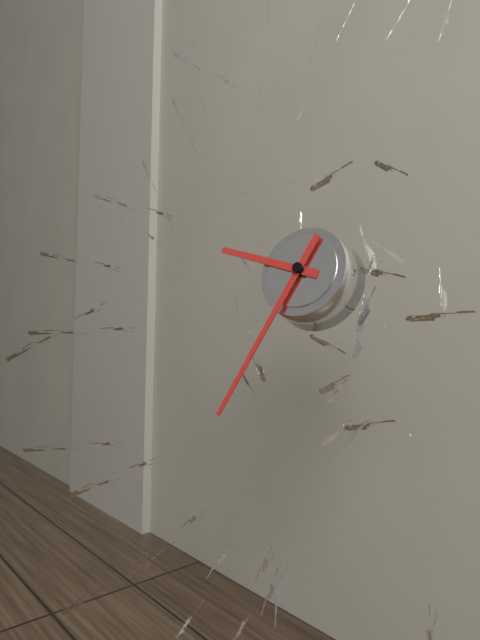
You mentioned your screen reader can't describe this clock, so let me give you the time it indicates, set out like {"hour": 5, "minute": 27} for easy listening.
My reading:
{"hour": 9, "minute": 34}
